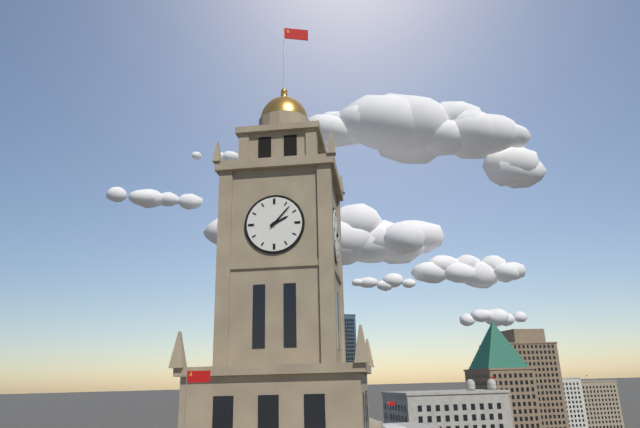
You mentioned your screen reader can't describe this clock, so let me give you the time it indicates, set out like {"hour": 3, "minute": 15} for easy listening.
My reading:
{"hour": 2, "minute": 7}
